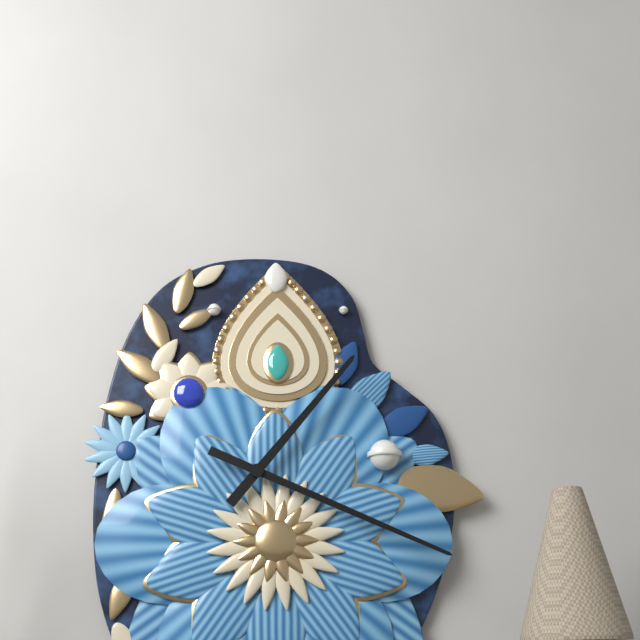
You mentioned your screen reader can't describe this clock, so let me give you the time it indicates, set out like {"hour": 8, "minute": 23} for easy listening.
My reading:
{"hour": 1, "minute": 19}
